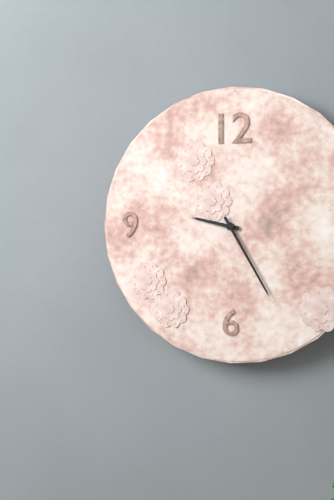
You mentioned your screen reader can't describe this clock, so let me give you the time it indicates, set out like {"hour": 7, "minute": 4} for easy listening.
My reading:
{"hour": 9, "minute": 25}
